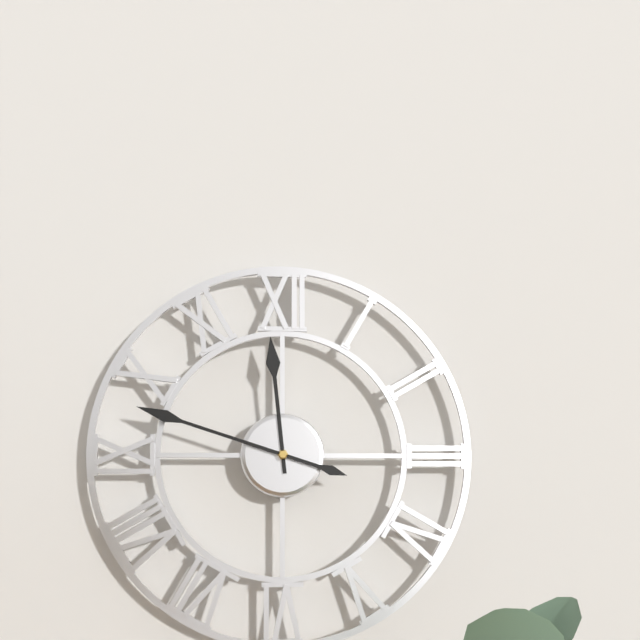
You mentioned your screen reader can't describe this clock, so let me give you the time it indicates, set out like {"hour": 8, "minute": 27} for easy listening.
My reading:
{"hour": 11, "minute": 48}
